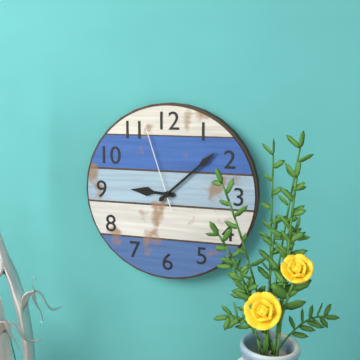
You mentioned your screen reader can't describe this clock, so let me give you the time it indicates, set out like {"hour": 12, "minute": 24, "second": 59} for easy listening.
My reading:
{"hour": 9, "minute": 8, "second": 57}
